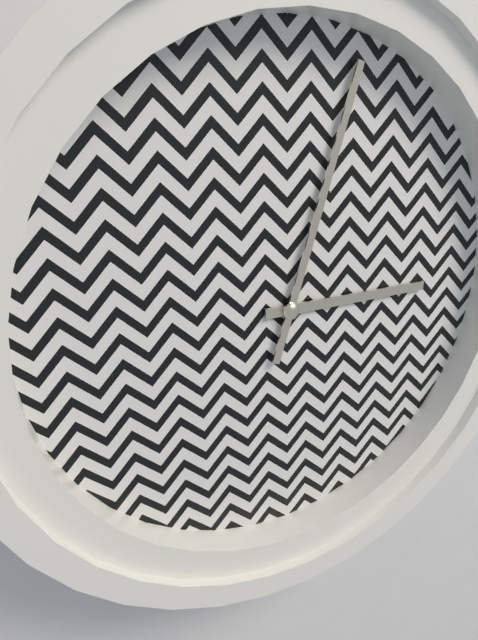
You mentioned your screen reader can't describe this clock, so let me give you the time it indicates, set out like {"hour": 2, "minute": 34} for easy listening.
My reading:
{"hour": 3, "minute": 3}
